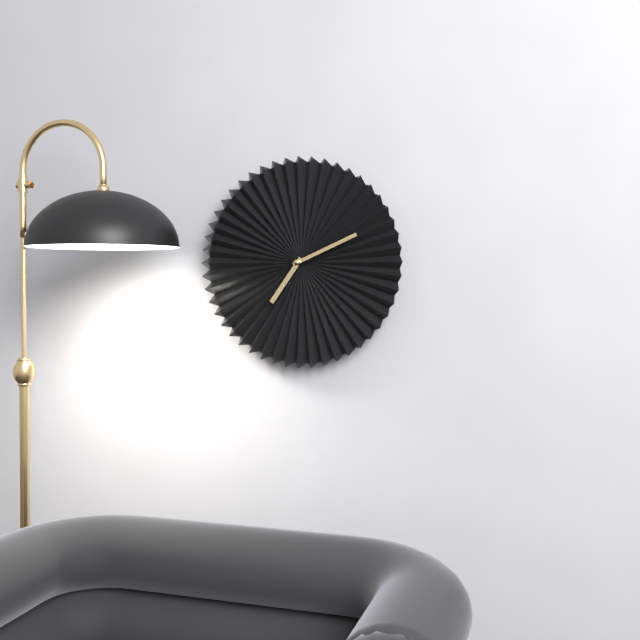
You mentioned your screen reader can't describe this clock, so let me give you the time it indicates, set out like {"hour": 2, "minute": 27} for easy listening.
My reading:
{"hour": 7, "minute": 11}
